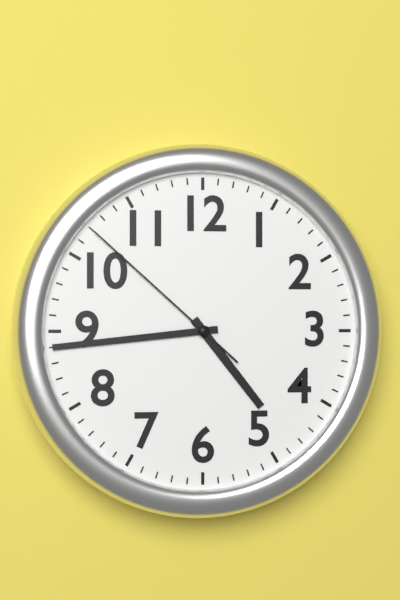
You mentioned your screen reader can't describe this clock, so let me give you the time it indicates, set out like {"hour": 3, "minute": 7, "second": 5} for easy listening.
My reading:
{"hour": 4, "minute": 44, "second": 52}
